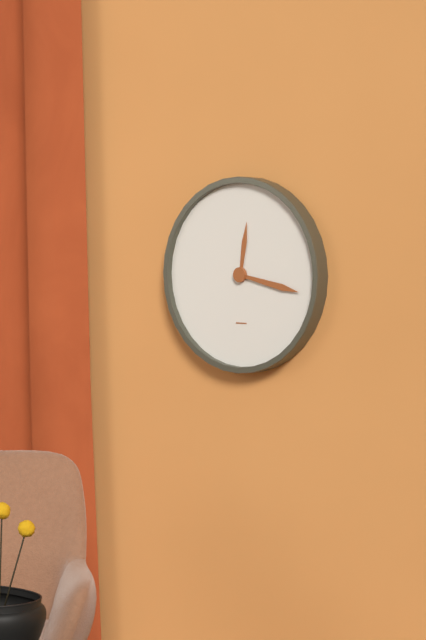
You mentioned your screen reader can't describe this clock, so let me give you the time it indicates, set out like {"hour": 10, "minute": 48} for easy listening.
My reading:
{"hour": 12, "minute": 17}
